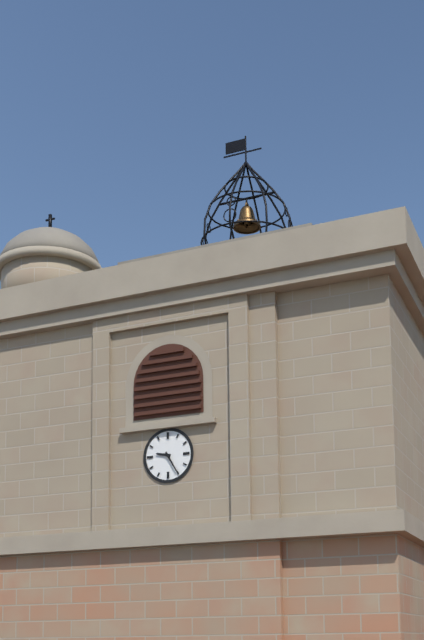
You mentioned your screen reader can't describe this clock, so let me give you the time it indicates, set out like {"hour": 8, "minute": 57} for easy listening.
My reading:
{"hour": 9, "minute": 25}
